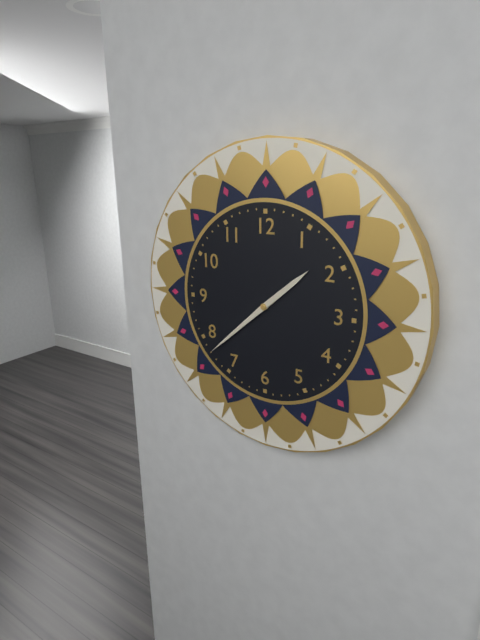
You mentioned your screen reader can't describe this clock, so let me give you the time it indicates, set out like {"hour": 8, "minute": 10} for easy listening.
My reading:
{"hour": 1, "minute": 38}
